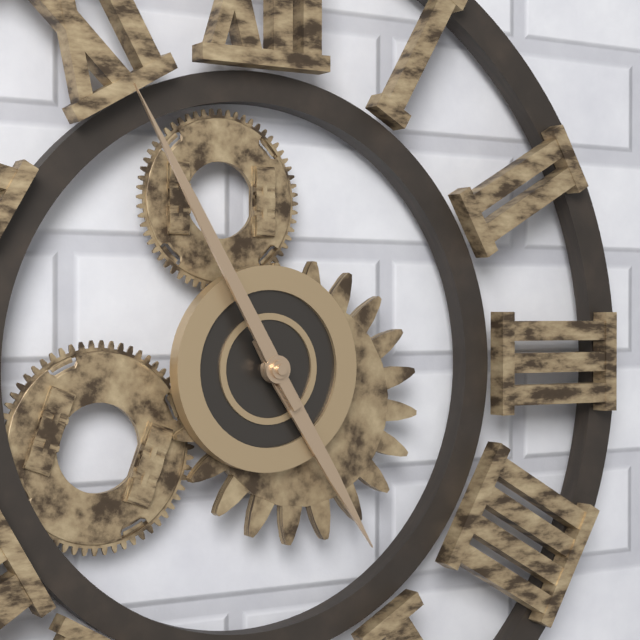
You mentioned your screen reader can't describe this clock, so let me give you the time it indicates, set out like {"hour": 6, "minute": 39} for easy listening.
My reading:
{"hour": 4, "minute": 55}
